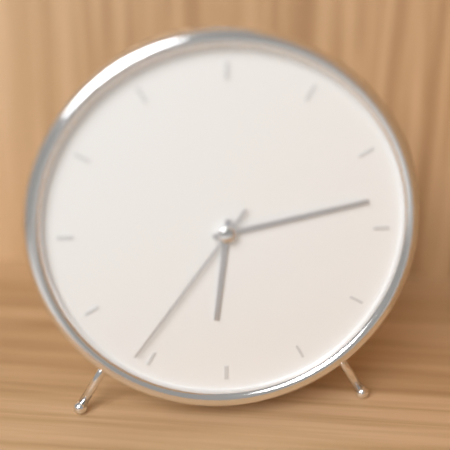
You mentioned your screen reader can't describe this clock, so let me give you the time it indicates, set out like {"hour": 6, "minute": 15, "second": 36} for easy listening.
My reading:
{"hour": 6, "minute": 13, "second": 36}
